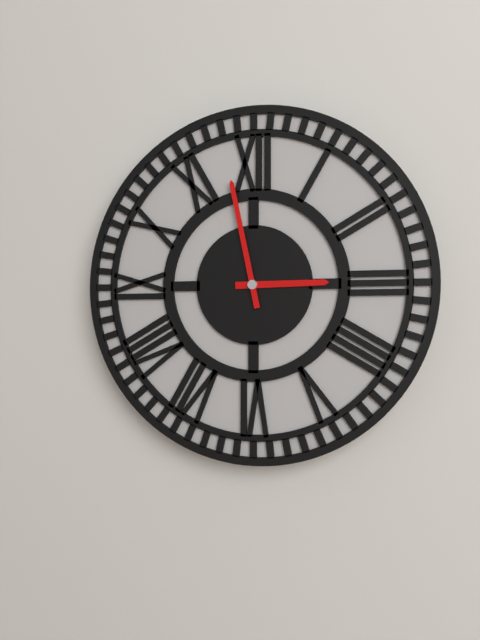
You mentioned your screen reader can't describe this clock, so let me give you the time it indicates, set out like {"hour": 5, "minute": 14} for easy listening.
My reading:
{"hour": 2, "minute": 58}
